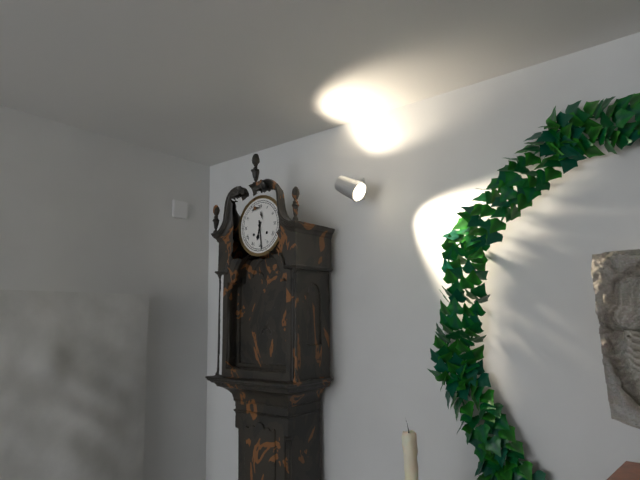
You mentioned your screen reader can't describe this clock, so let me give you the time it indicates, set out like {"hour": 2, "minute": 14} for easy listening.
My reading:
{"hour": 6, "minute": 29}
